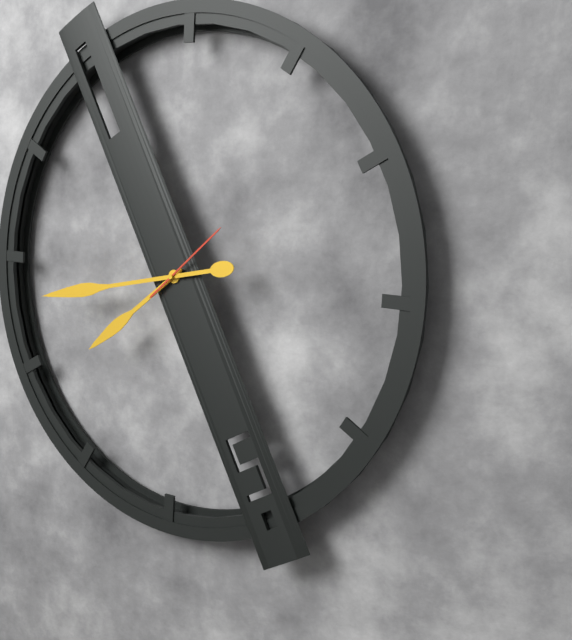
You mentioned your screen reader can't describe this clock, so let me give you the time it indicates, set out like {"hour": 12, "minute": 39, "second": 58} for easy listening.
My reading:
{"hour": 7, "minute": 43, "second": 8}
